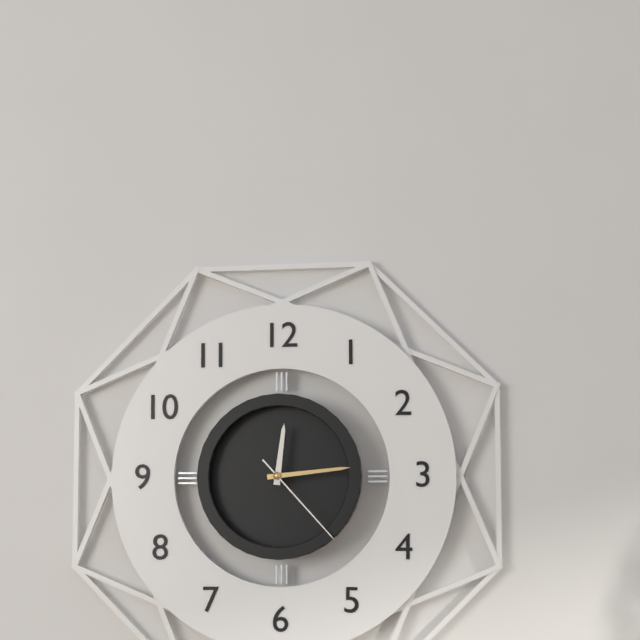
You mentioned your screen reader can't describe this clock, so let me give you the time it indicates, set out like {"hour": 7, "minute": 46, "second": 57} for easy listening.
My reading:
{"hour": 12, "minute": 14, "second": 23}
